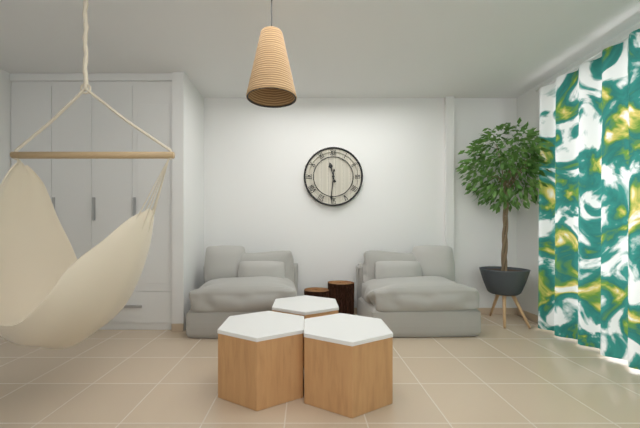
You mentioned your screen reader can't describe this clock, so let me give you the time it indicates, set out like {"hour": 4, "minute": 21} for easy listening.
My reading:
{"hour": 11, "minute": 31}
